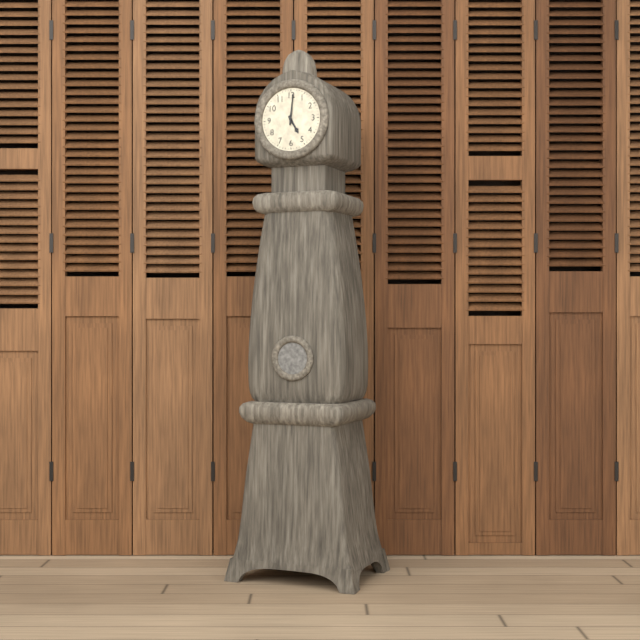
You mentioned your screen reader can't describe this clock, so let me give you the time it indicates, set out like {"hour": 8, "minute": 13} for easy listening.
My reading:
{"hour": 5, "minute": 1}
